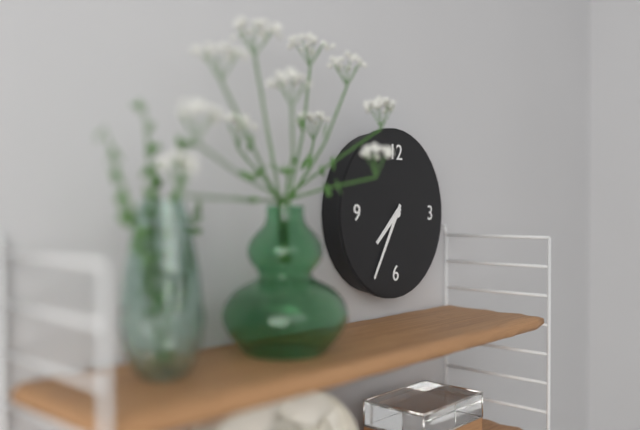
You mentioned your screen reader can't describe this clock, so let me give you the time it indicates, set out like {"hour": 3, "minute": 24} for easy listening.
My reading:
{"hour": 7, "minute": 35}
